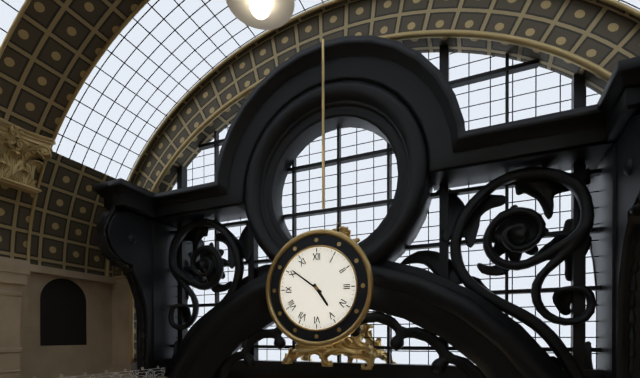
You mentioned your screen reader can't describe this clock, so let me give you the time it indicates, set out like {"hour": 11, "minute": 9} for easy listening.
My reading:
{"hour": 4, "minute": 51}
